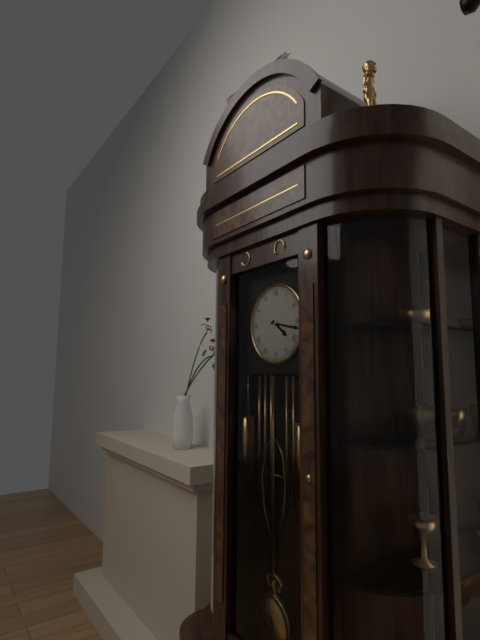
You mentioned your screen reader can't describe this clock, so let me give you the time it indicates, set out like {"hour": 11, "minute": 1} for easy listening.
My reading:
{"hour": 4, "minute": 17}
